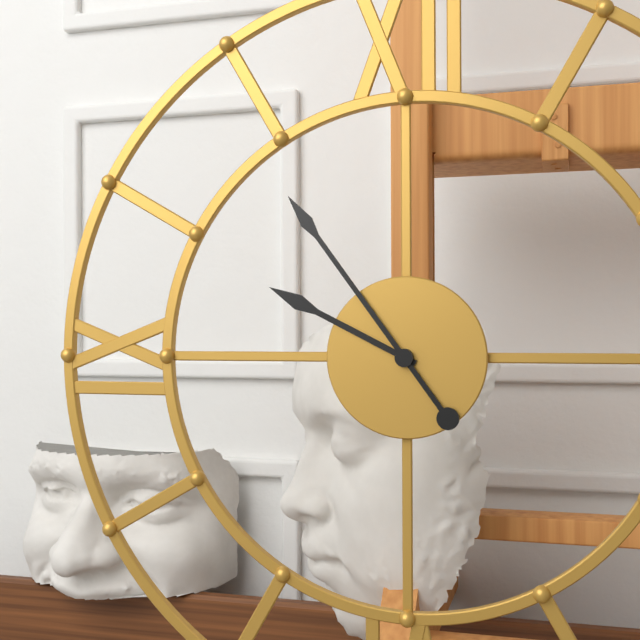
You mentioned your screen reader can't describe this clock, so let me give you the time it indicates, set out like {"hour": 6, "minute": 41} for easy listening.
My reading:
{"hour": 9, "minute": 54}
